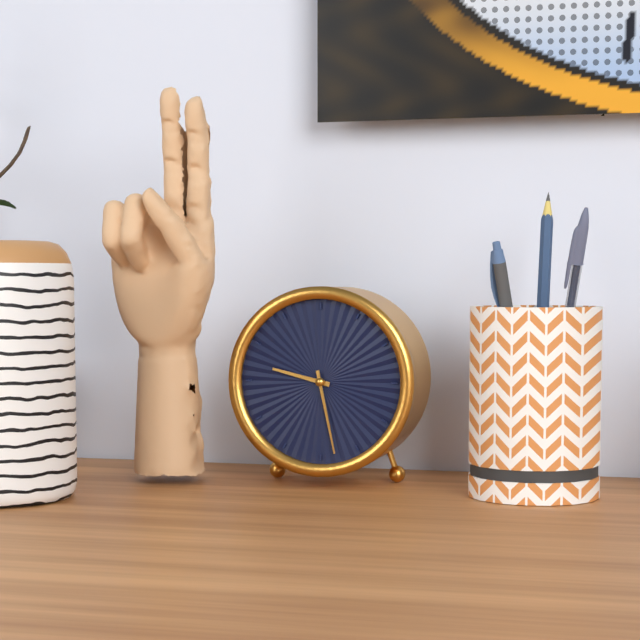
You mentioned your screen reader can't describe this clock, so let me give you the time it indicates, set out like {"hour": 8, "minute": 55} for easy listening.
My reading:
{"hour": 9, "minute": 28}
